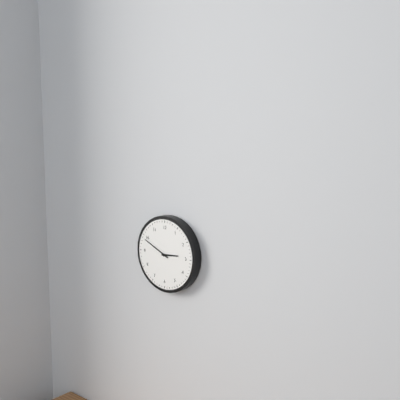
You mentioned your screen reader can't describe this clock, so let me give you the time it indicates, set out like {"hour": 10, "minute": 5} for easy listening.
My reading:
{"hour": 2, "minute": 49}
